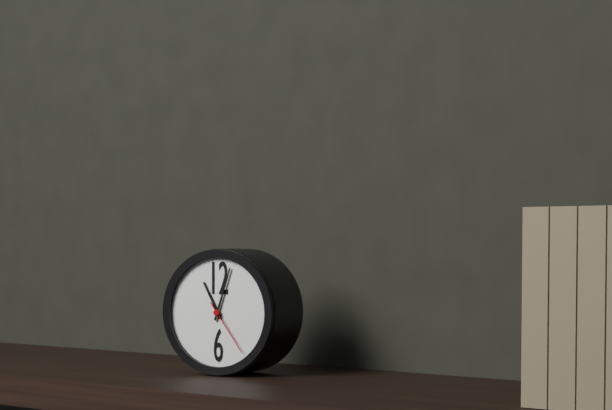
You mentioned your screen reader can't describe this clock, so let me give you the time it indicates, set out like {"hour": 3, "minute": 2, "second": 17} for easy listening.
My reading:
{"hour": 11, "minute": 3, "second": 24}
